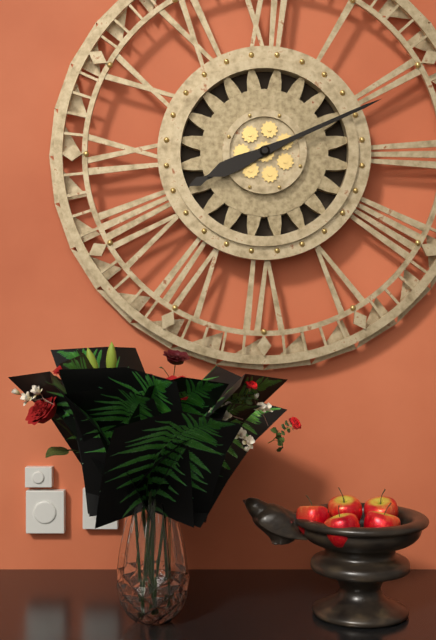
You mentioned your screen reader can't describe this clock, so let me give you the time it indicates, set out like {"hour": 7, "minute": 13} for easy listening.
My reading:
{"hour": 8, "minute": 11}
